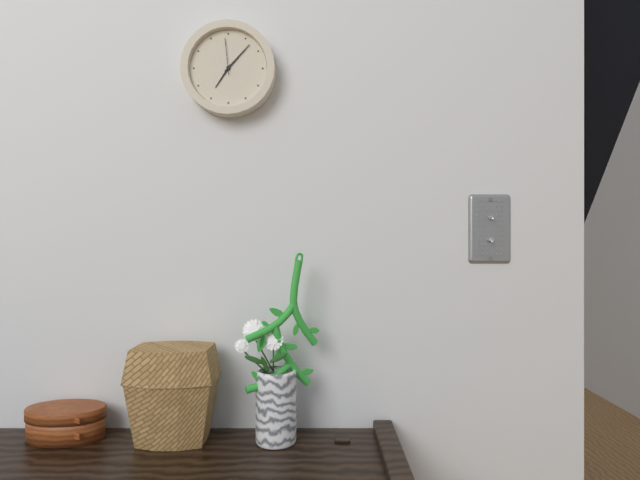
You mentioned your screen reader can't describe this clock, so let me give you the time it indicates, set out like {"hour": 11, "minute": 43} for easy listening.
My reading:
{"hour": 7, "minute": 7}
